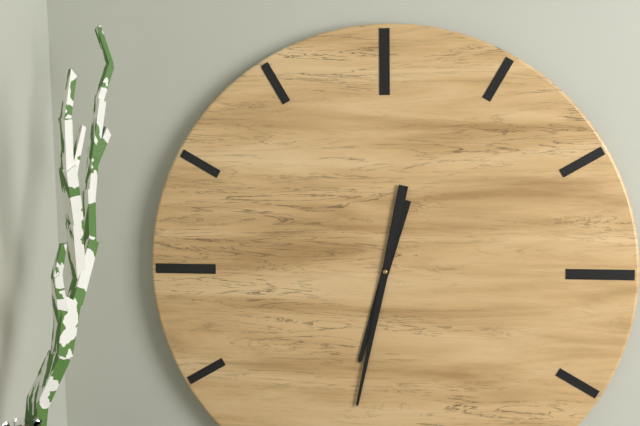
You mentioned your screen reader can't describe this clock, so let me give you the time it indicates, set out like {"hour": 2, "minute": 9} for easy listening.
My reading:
{"hour": 6, "minute": 32}
